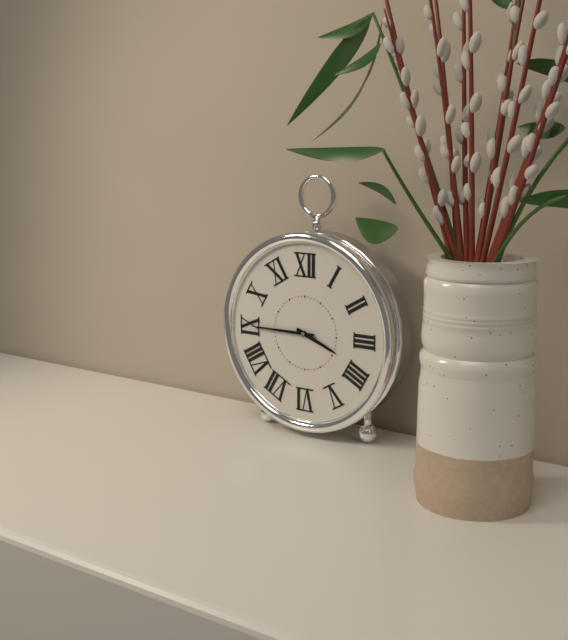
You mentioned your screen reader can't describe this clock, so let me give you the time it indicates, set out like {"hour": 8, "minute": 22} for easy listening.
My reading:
{"hour": 3, "minute": 45}
